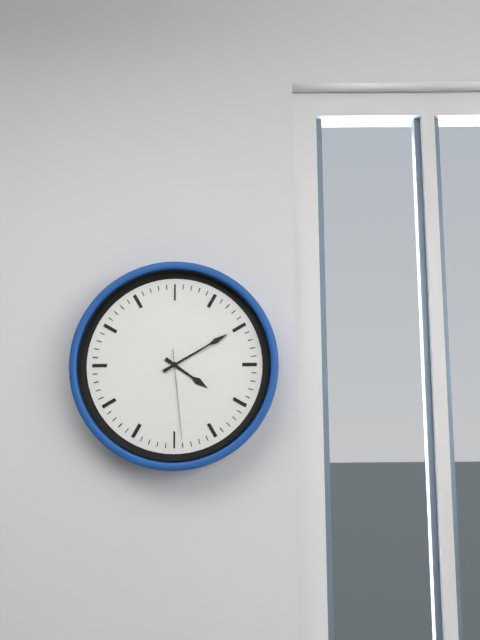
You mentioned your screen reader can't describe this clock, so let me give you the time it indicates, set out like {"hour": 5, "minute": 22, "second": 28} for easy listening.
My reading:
{"hour": 4, "minute": 10, "second": 29}
